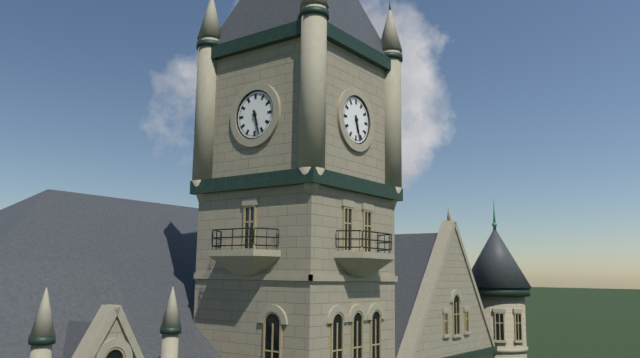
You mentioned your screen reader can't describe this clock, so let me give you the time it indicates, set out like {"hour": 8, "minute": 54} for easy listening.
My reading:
{"hour": 5, "minute": 27}
